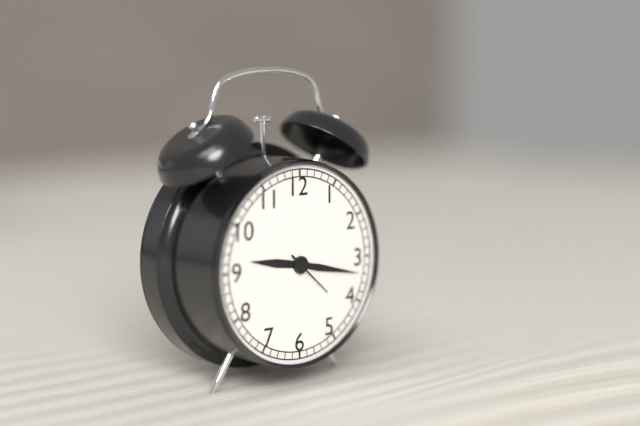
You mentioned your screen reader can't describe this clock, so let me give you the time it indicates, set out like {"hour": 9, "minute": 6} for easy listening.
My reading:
{"hour": 9, "minute": 17}
